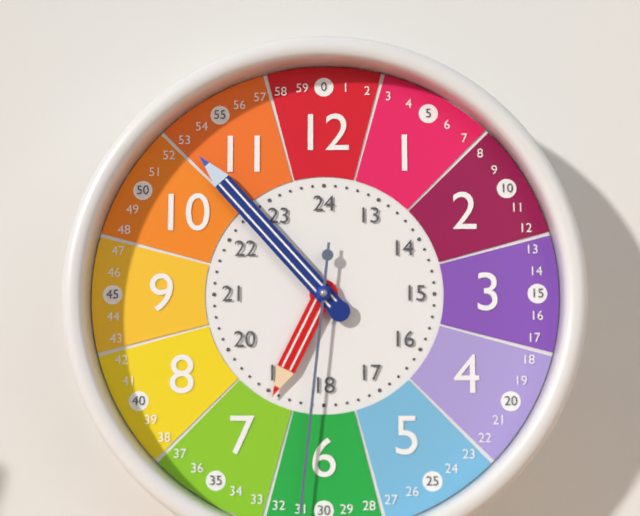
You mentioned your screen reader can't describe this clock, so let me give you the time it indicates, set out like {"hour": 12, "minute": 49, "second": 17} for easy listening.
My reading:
{"hour": 6, "minute": 53, "second": 31}
